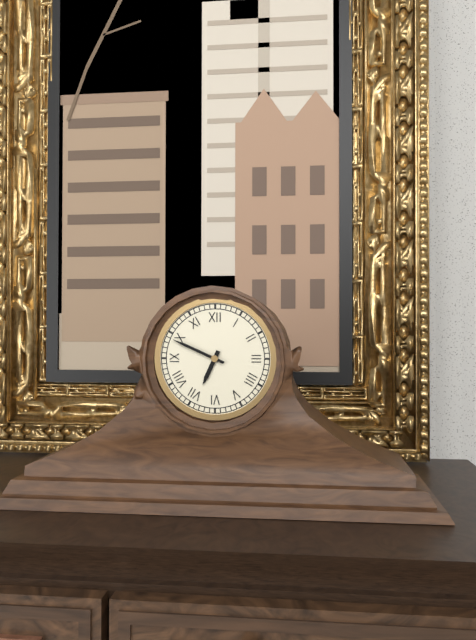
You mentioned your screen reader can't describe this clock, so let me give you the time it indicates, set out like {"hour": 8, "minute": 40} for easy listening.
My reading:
{"hour": 6, "minute": 49}
